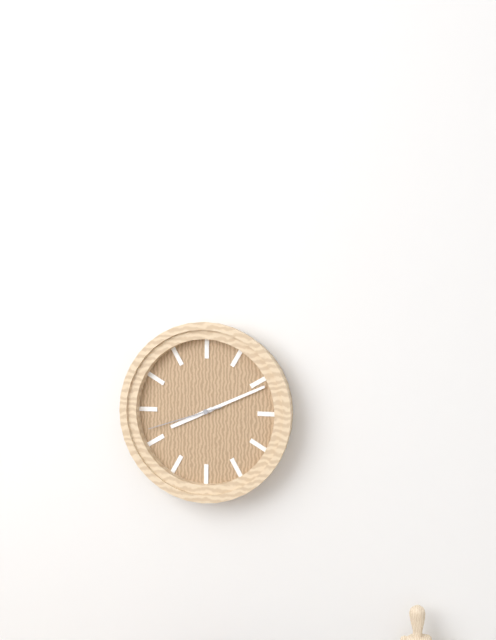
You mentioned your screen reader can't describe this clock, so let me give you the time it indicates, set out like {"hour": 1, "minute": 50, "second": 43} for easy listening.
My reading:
{"hour": 8, "minute": 11, "second": 42}
